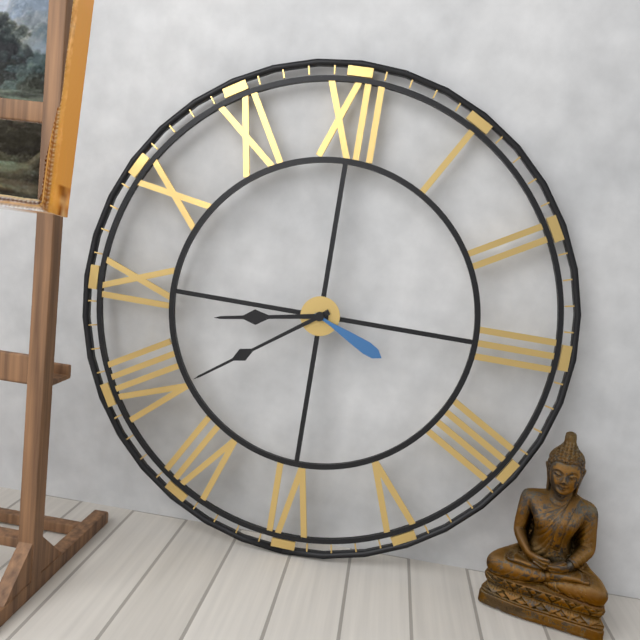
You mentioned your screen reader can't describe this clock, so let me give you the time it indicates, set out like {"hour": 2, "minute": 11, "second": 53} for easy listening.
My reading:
{"hour": 8, "minute": 39, "second": 19}
